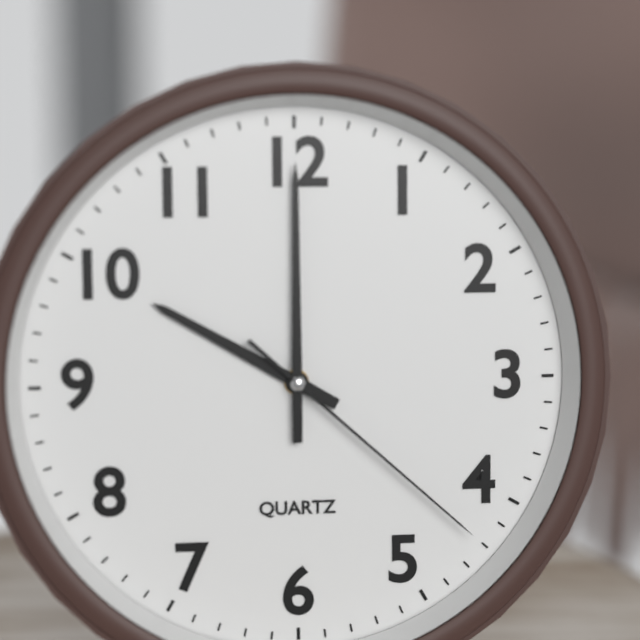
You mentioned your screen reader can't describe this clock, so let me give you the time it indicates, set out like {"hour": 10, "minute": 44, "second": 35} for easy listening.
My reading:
{"hour": 10, "minute": 0, "second": 22}
